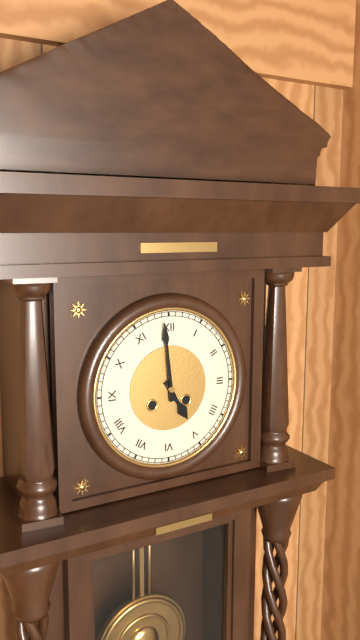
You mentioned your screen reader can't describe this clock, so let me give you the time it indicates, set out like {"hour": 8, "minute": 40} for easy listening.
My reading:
{"hour": 4, "minute": 59}
